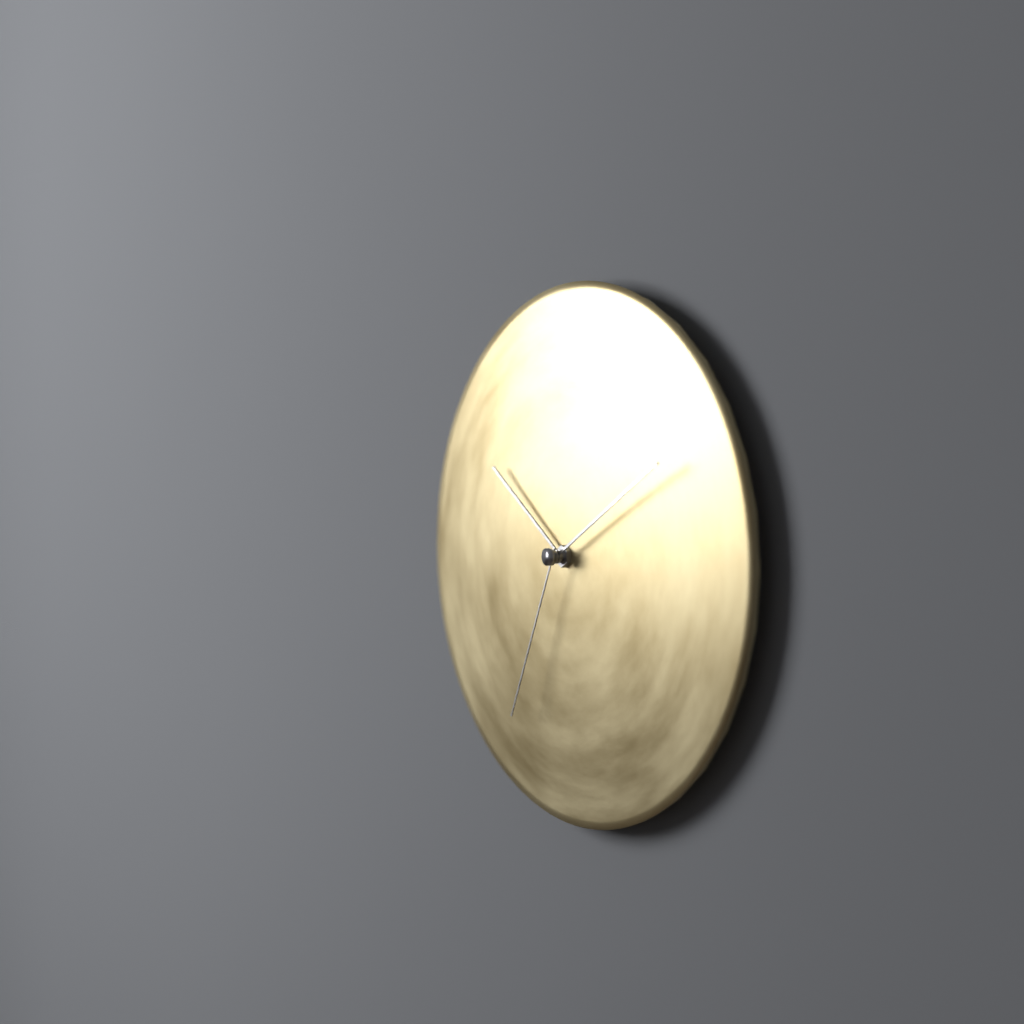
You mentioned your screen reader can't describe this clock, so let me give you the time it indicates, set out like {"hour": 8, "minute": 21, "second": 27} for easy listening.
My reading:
{"hour": 10, "minute": 10, "second": 34}
